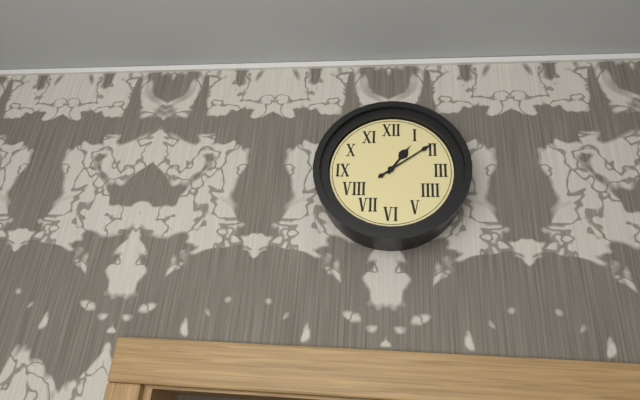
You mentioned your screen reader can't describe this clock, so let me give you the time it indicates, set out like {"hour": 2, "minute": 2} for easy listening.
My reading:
{"hour": 1, "minute": 9}
